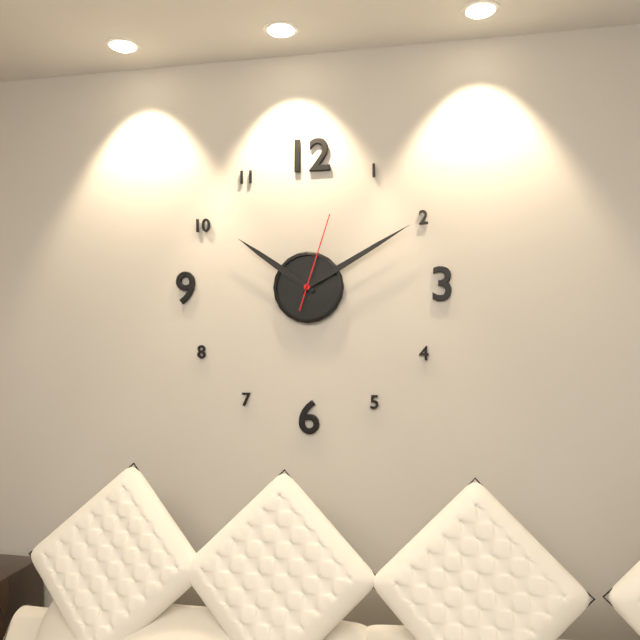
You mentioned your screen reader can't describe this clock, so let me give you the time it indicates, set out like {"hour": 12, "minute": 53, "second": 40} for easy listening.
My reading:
{"hour": 10, "minute": 10, "second": 3}
